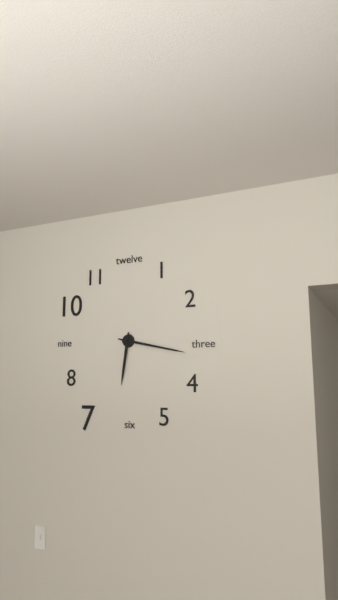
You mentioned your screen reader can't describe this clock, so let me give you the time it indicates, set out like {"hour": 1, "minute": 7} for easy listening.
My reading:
{"hour": 6, "minute": 17}
